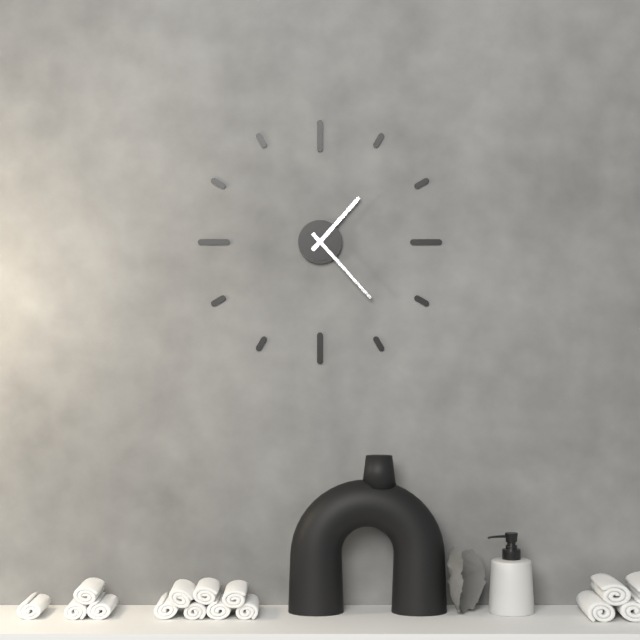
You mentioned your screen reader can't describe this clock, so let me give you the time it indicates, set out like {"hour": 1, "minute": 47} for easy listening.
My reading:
{"hour": 1, "minute": 23}
